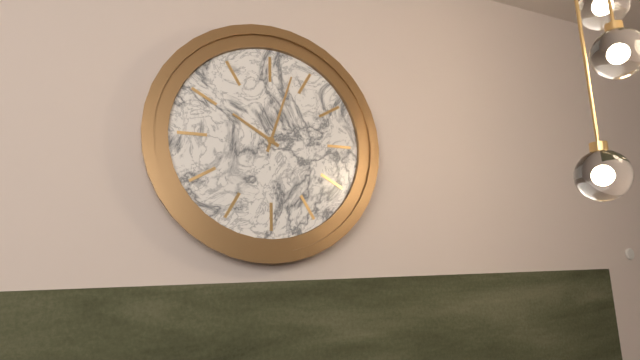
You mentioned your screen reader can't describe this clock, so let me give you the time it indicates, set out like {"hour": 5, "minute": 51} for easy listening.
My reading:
{"hour": 10, "minute": 3}
